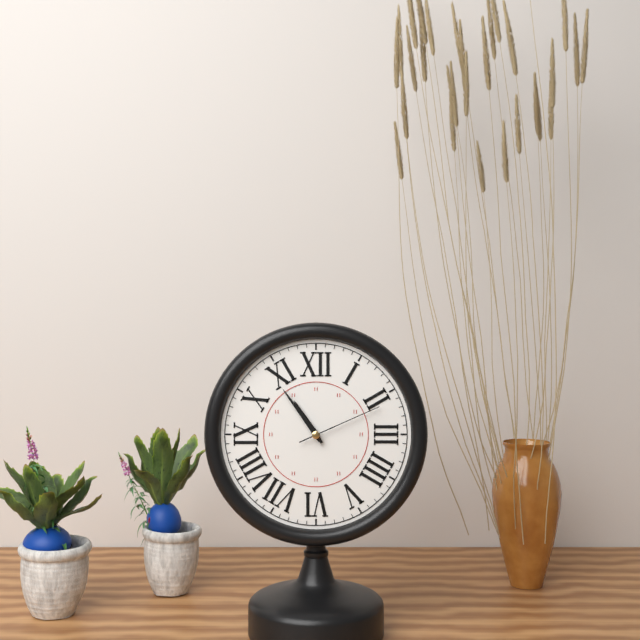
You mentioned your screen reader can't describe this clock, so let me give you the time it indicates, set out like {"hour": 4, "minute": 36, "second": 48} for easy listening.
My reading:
{"hour": 10, "minute": 54, "second": 11}
